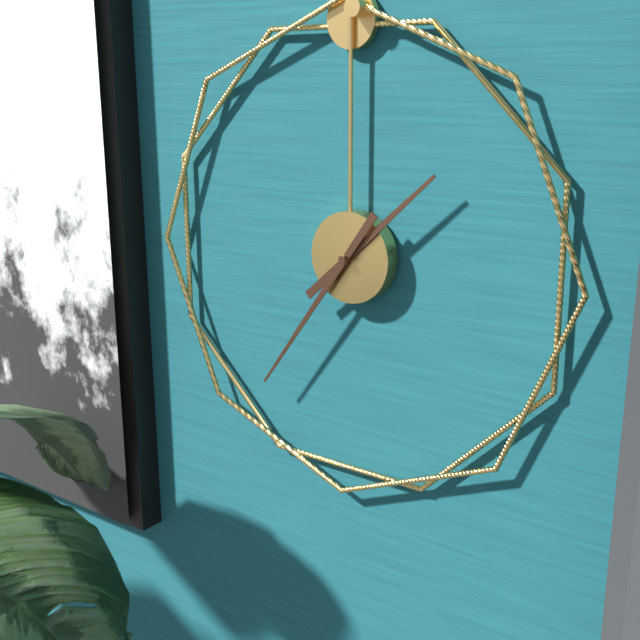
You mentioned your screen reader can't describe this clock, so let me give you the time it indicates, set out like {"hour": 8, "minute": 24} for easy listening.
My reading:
{"hour": 1, "minute": 36}
